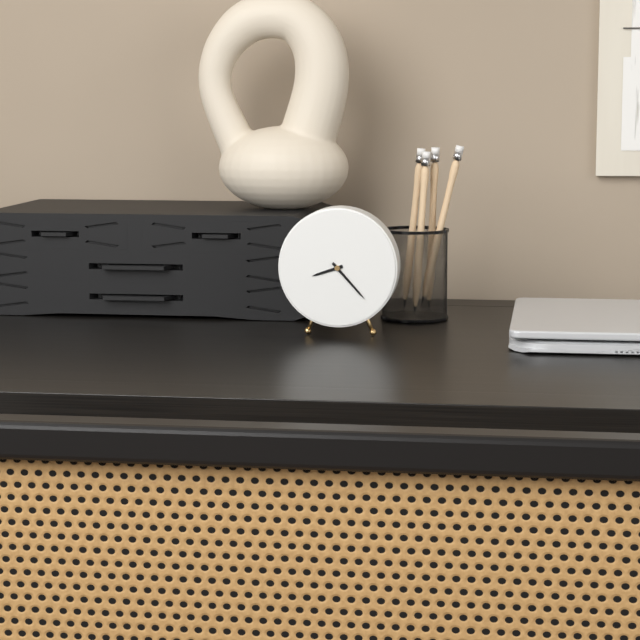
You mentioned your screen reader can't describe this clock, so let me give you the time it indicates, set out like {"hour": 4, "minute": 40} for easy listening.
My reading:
{"hour": 8, "minute": 23}
